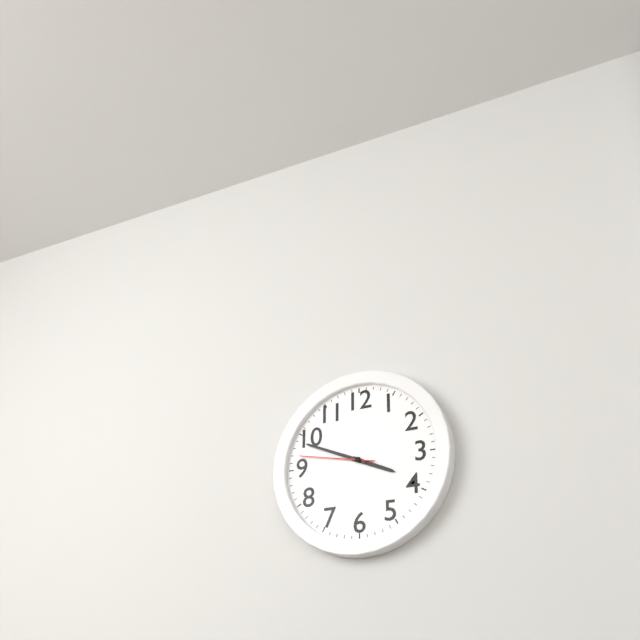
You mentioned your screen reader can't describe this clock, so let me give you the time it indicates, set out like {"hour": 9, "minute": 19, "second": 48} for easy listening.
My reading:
{"hour": 3, "minute": 49, "second": 47}
